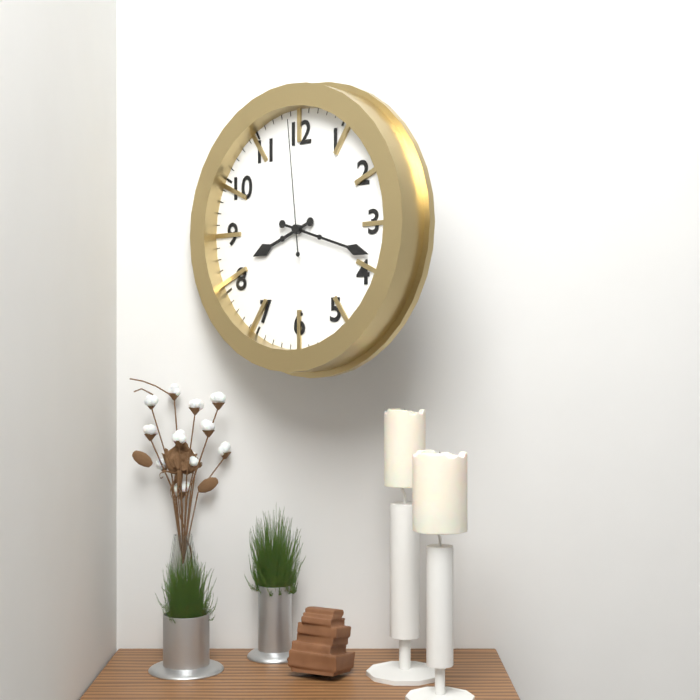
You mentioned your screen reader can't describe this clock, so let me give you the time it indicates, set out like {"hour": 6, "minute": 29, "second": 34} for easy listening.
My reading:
{"hour": 8, "minute": 18, "second": 59}
